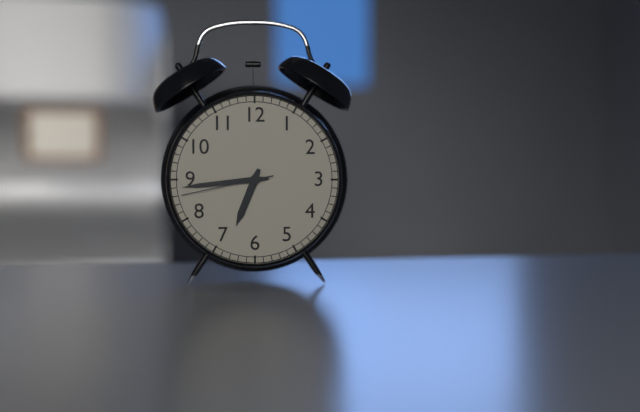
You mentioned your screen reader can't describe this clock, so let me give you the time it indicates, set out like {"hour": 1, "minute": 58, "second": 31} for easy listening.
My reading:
{"hour": 6, "minute": 44, "second": 43}
